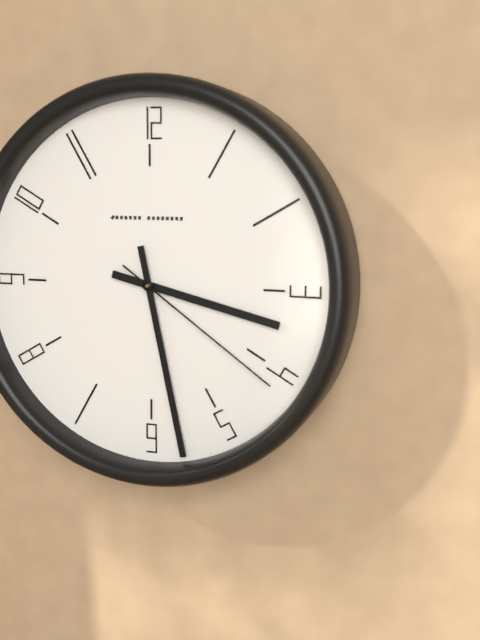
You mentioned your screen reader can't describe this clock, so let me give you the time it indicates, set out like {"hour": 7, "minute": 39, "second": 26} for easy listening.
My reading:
{"hour": 3, "minute": 28, "second": 21}
